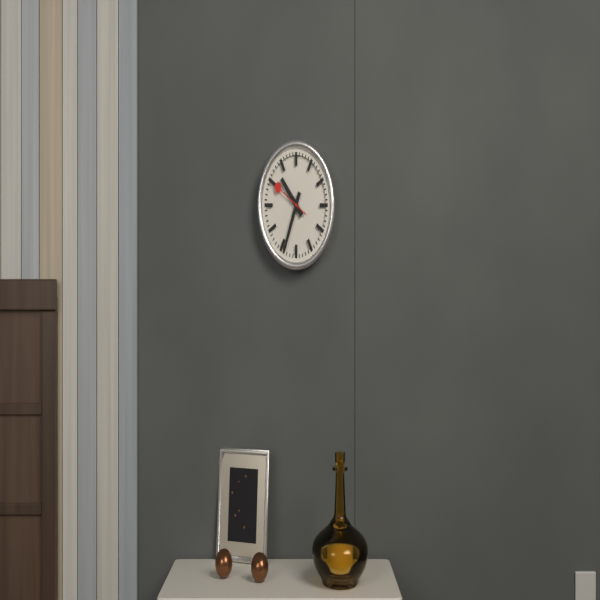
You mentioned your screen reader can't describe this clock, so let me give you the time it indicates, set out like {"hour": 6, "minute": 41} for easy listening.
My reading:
{"hour": 10, "minute": 34}
